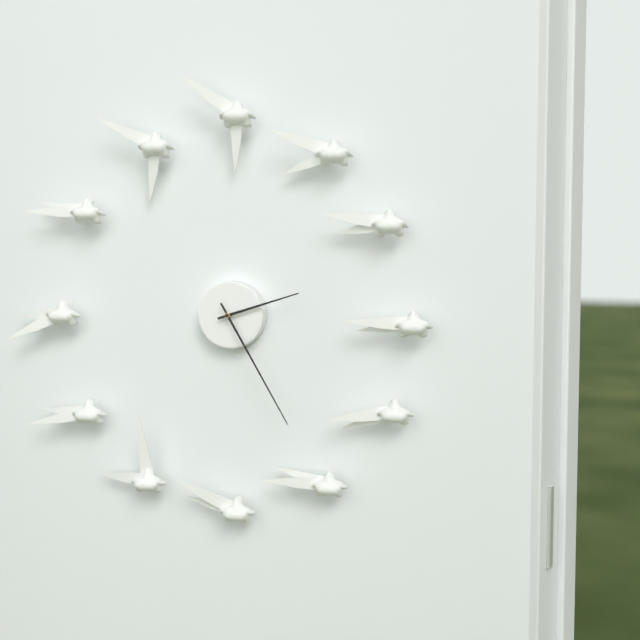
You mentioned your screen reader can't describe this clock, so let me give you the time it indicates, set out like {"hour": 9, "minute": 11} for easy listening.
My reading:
{"hour": 2, "minute": 25}
